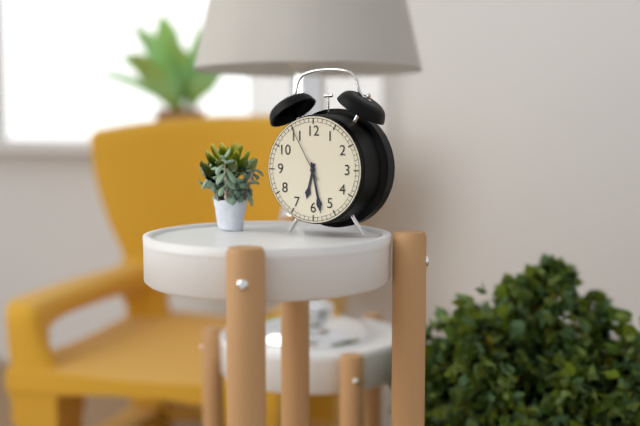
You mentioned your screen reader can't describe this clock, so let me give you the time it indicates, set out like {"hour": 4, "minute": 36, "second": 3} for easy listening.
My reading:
{"hour": 6, "minute": 28, "second": 55}
